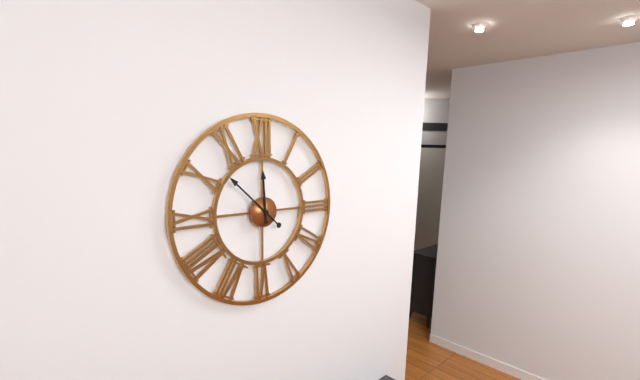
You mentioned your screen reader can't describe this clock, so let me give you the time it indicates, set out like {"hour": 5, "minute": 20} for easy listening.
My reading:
{"hour": 11, "minute": 52}
